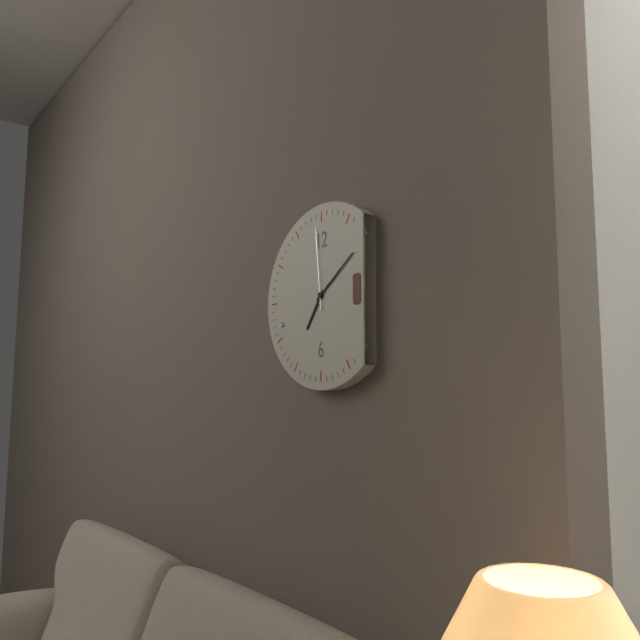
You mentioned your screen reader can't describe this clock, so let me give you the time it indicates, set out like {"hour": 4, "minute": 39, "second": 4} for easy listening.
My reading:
{"hour": 7, "minute": 9, "second": 59}
